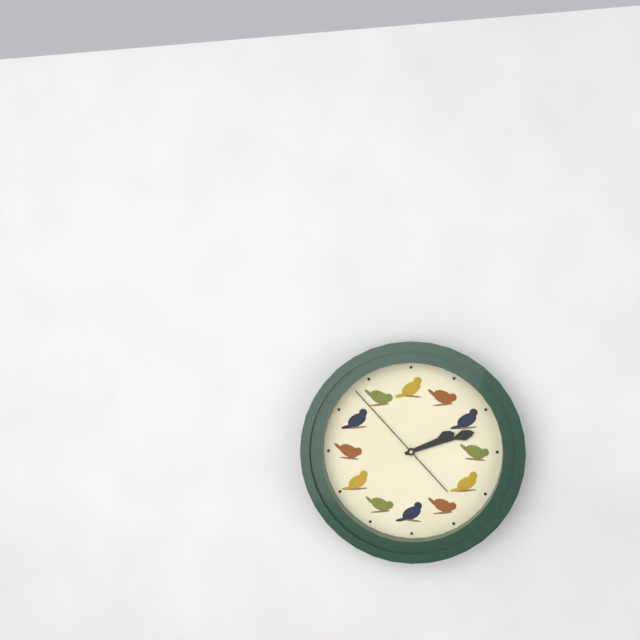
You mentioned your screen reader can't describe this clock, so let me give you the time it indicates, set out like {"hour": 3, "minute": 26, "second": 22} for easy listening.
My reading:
{"hour": 2, "minute": 12, "second": 53}
